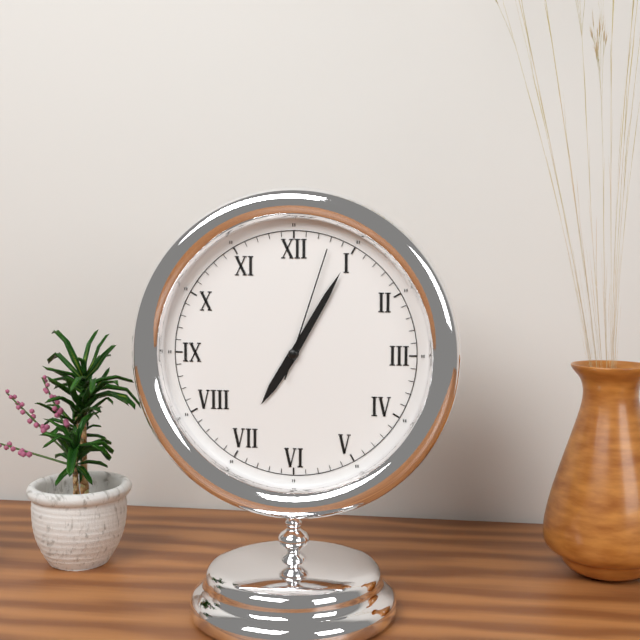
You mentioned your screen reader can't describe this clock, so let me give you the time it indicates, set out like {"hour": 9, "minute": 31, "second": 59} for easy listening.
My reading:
{"hour": 7, "minute": 5, "second": 3}
